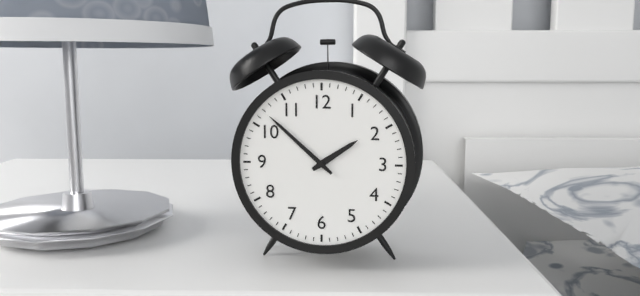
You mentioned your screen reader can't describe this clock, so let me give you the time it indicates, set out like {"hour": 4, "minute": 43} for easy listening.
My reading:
{"hour": 1, "minute": 52}
